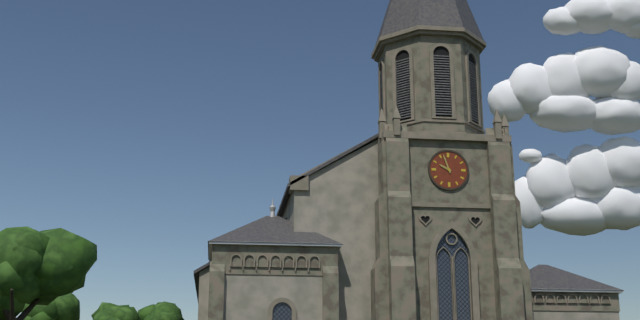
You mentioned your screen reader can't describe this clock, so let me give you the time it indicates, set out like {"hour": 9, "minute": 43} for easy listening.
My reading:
{"hour": 9, "minute": 57}
